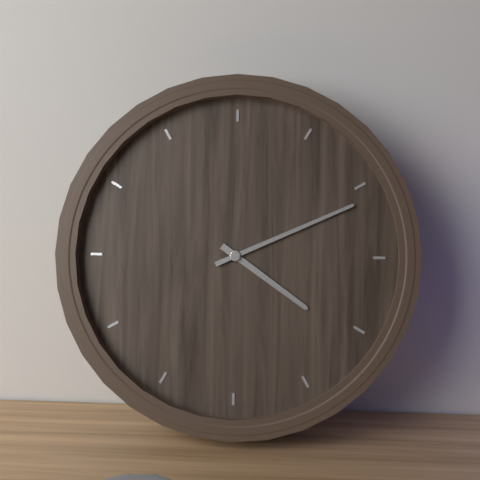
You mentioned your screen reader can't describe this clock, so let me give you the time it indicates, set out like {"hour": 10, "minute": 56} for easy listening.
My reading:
{"hour": 4, "minute": 11}
